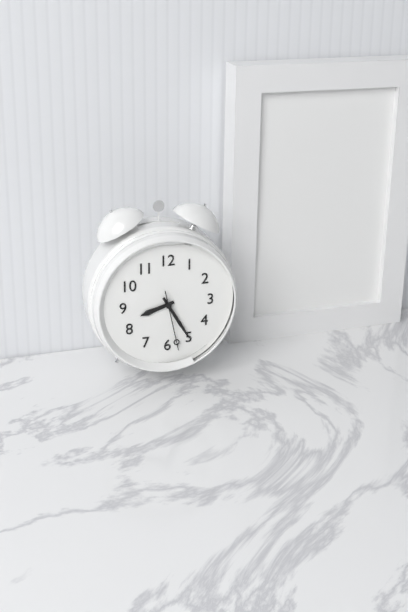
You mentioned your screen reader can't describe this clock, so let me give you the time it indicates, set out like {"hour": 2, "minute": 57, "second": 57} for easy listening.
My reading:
{"hour": 8, "minute": 25, "second": 28}
